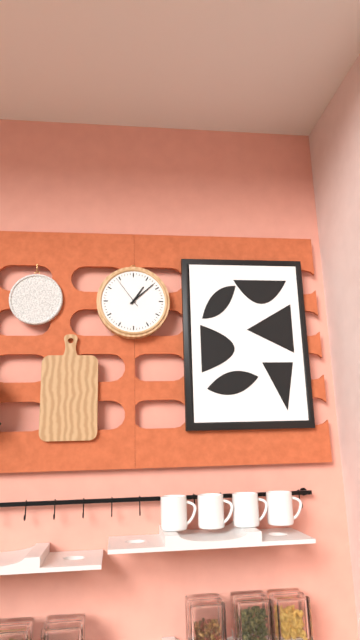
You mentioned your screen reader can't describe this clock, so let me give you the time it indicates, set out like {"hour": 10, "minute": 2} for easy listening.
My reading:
{"hour": 1, "minute": 8}
